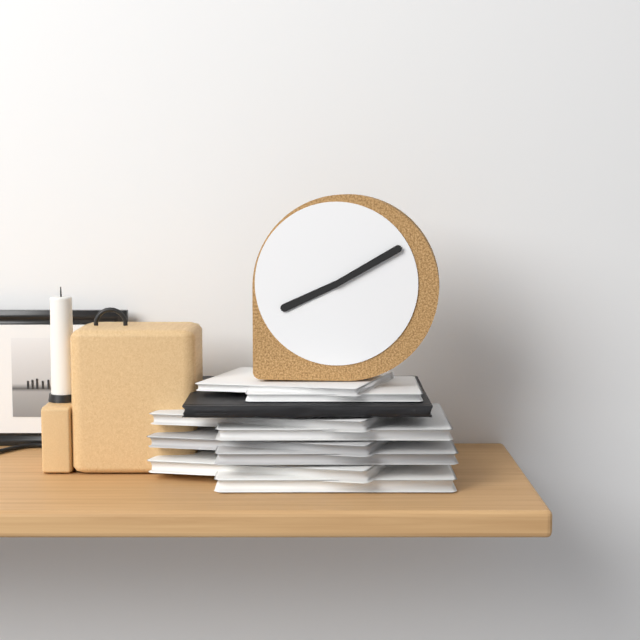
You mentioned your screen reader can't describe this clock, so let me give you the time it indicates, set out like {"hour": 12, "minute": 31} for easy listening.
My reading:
{"hour": 8, "minute": 10}
